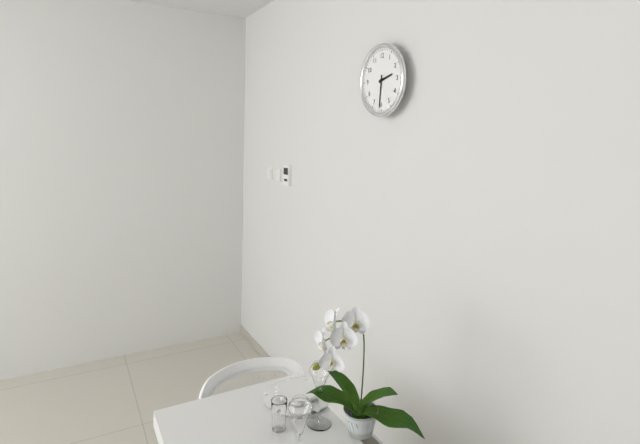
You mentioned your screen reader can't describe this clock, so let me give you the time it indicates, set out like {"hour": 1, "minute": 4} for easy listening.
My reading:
{"hour": 2, "minute": 31}
